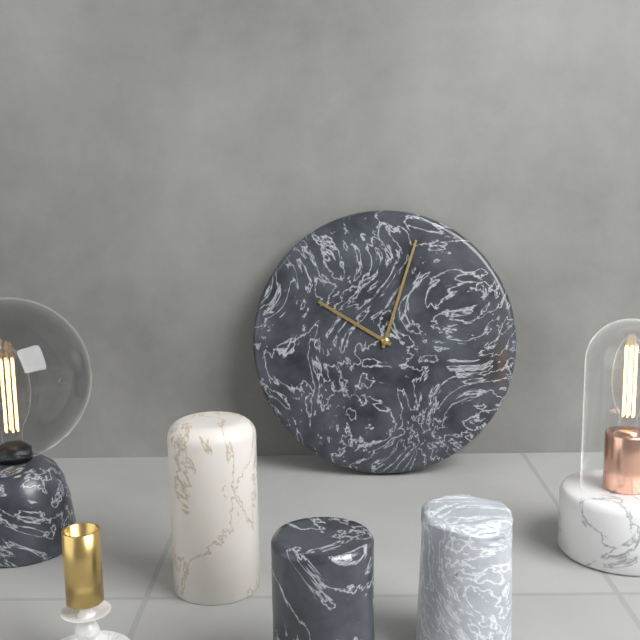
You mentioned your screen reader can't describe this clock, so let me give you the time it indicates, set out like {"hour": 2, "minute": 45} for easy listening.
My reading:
{"hour": 10, "minute": 3}
